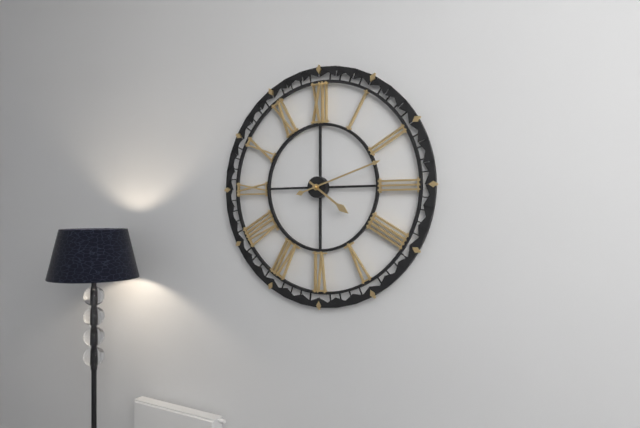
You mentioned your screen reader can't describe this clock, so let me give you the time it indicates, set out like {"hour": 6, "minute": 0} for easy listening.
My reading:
{"hour": 4, "minute": 12}
